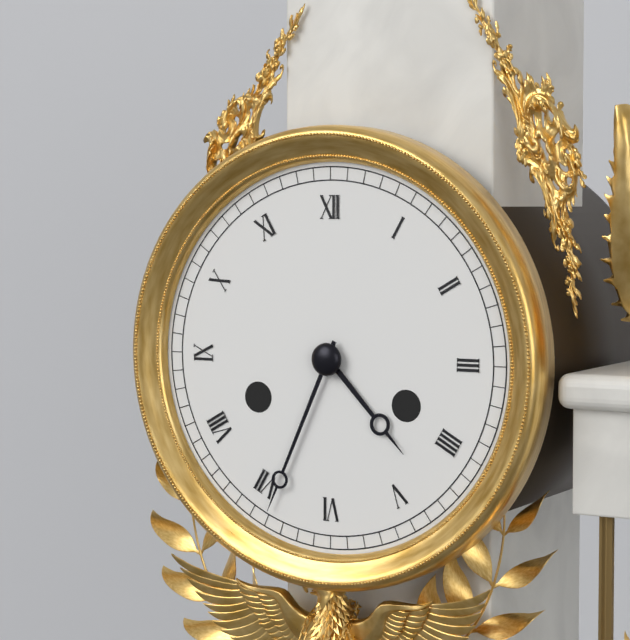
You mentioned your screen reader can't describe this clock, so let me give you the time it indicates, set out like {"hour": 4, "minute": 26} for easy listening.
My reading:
{"hour": 4, "minute": 34}
